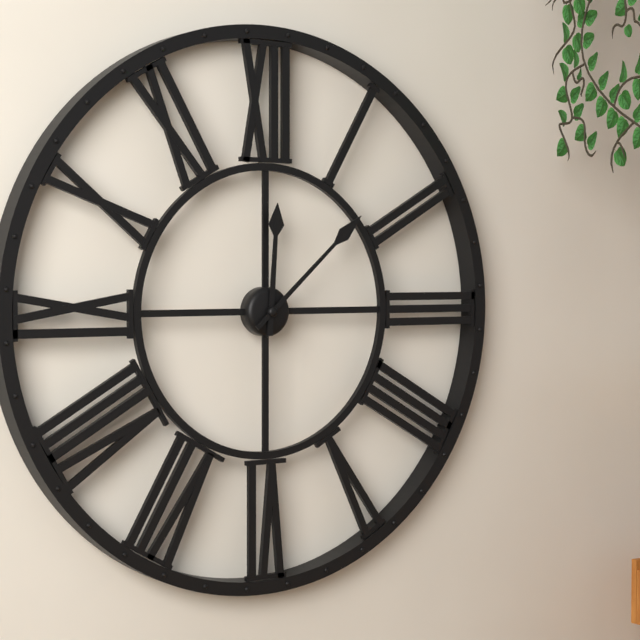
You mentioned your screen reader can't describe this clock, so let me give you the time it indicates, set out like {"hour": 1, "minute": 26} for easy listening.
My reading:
{"hour": 12, "minute": 8}
